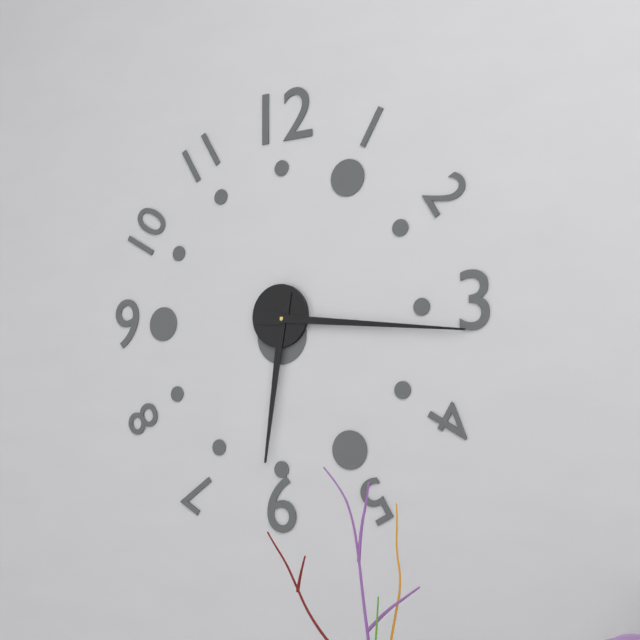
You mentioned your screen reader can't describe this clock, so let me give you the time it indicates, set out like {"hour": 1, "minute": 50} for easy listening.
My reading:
{"hour": 6, "minute": 16}
